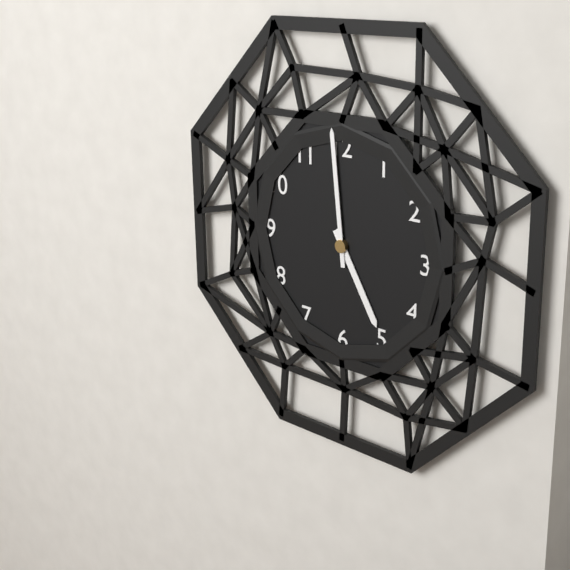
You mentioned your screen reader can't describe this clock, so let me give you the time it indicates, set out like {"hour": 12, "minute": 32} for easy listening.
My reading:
{"hour": 4, "minute": 59}
